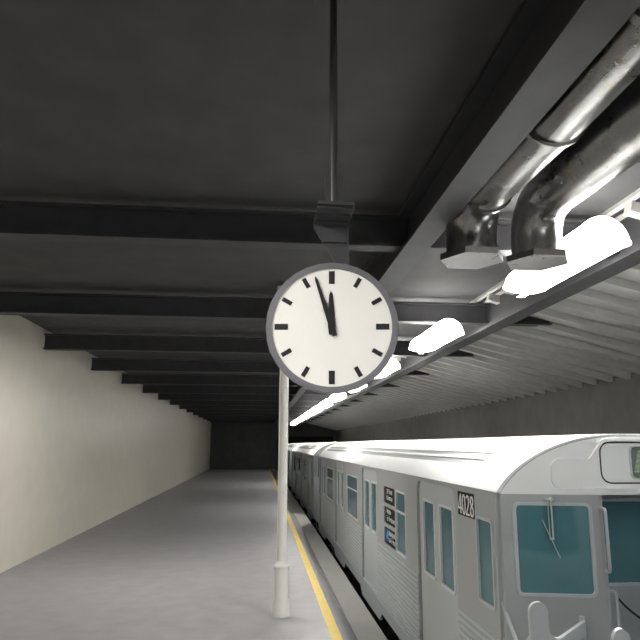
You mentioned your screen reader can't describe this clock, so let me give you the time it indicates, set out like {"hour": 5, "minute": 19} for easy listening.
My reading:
{"hour": 11, "minute": 57}
